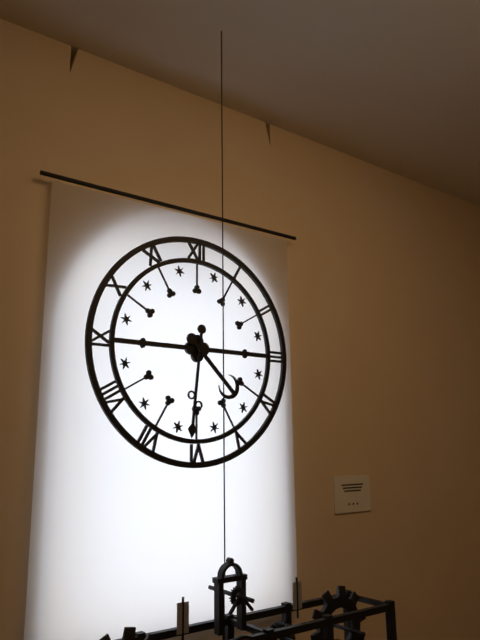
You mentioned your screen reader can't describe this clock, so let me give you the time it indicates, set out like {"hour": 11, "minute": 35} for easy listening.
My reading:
{"hour": 4, "minute": 31}
